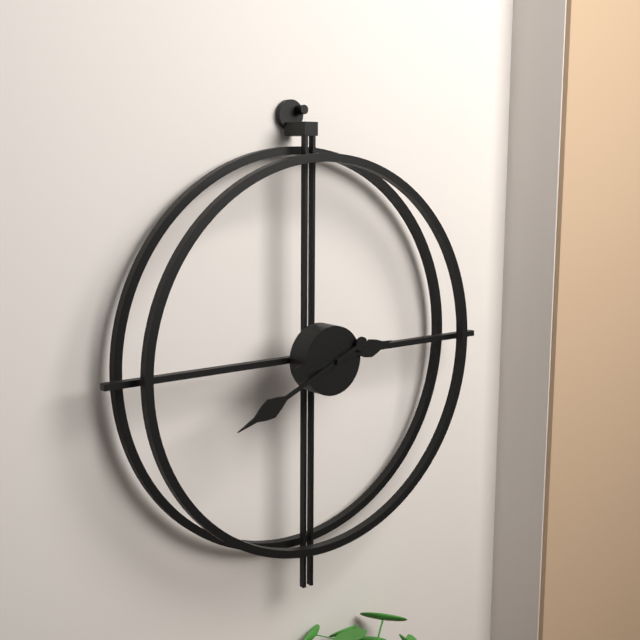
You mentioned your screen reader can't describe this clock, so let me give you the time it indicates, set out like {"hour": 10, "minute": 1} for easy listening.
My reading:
{"hour": 2, "minute": 41}
